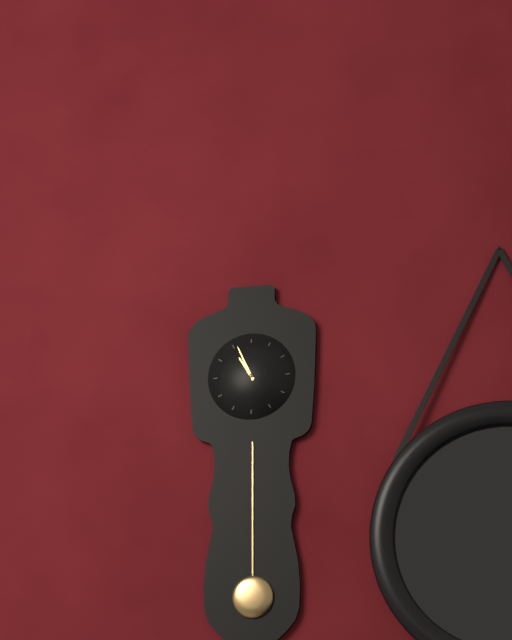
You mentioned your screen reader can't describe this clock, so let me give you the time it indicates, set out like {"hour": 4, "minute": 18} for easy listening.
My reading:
{"hour": 10, "minute": 56}
